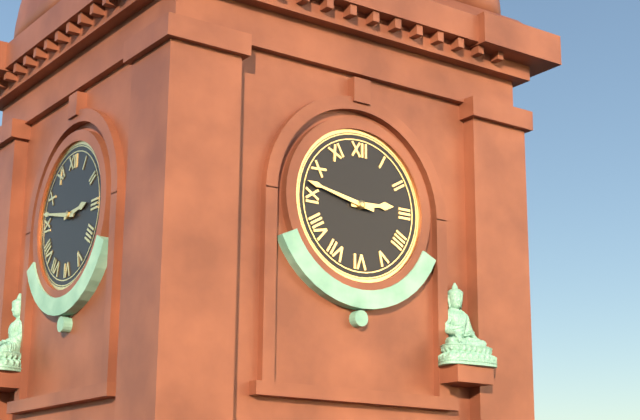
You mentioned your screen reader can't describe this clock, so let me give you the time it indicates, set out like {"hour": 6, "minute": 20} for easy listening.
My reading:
{"hour": 2, "minute": 47}
